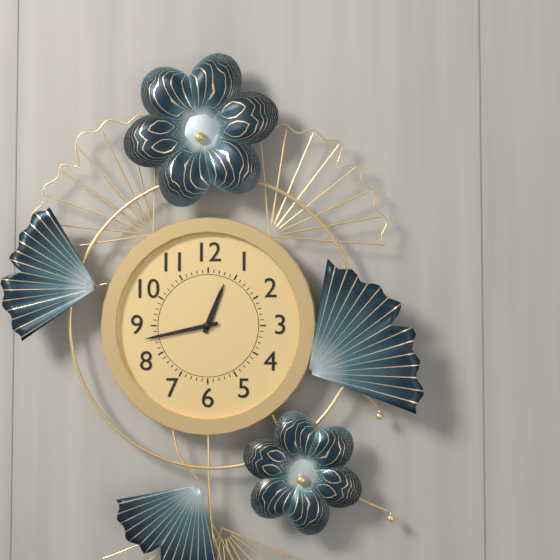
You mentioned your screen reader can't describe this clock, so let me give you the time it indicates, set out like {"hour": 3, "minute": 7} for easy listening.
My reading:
{"hour": 12, "minute": 43}
